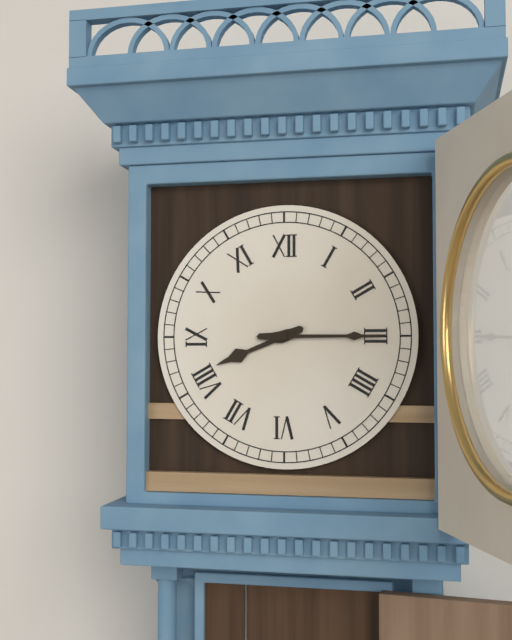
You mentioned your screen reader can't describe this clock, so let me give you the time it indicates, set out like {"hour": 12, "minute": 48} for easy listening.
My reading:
{"hour": 8, "minute": 15}
